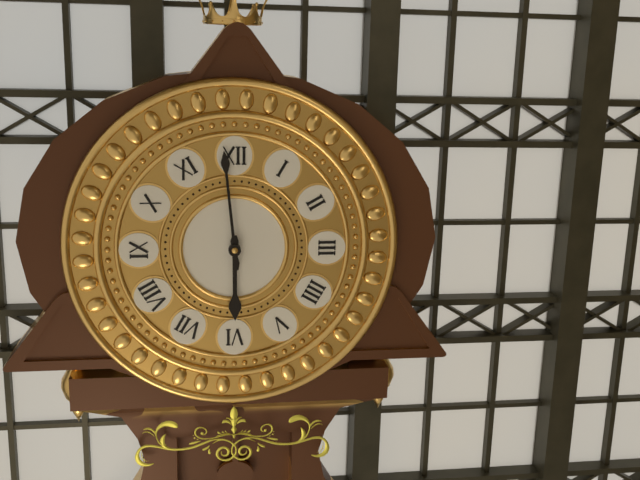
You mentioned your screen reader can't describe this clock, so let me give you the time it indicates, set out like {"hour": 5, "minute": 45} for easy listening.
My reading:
{"hour": 5, "minute": 59}
